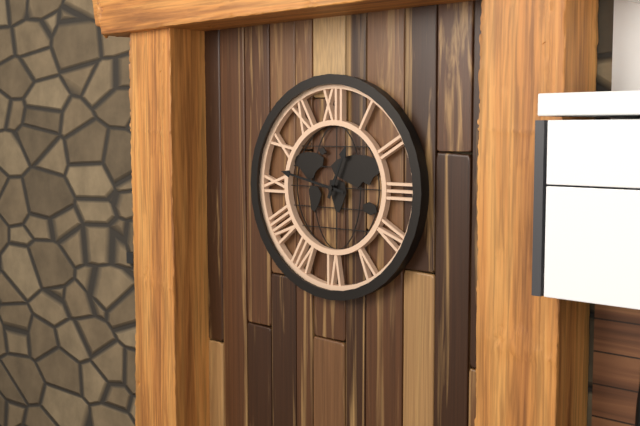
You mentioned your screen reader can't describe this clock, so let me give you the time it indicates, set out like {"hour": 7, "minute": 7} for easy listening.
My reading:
{"hour": 12, "minute": 47}
